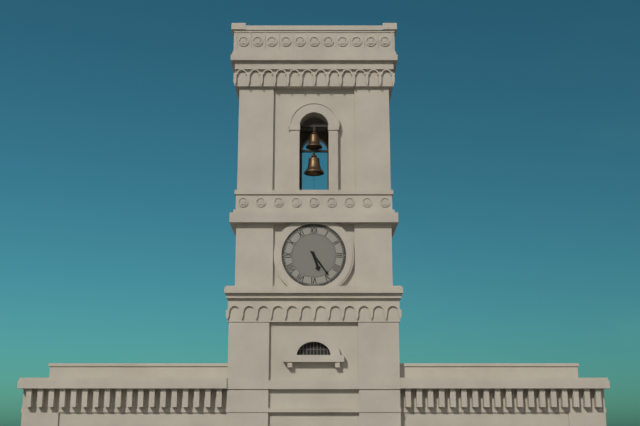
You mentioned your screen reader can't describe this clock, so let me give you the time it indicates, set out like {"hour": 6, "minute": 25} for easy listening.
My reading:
{"hour": 5, "minute": 24}
